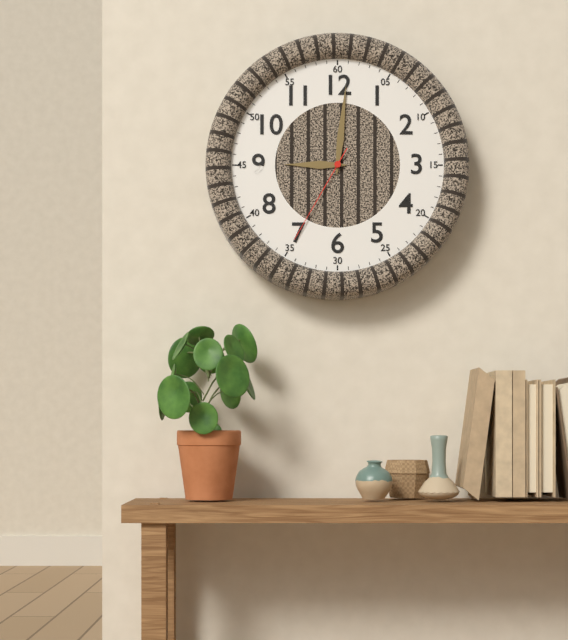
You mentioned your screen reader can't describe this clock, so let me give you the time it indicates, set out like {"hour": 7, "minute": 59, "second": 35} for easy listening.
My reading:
{"hour": 9, "minute": 1, "second": 35}
